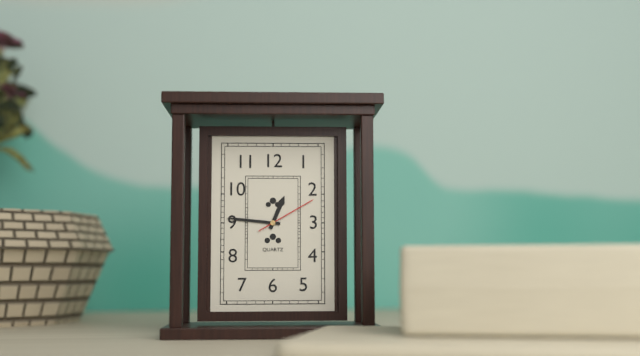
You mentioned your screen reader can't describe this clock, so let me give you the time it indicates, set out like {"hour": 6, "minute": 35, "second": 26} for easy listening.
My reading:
{"hour": 12, "minute": 46, "second": 10}
